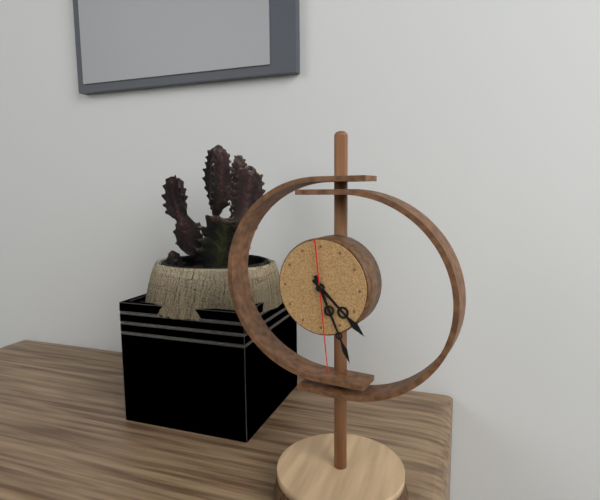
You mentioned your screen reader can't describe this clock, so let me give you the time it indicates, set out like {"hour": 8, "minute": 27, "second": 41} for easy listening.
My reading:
{"hour": 4, "minute": 26, "second": 29}
